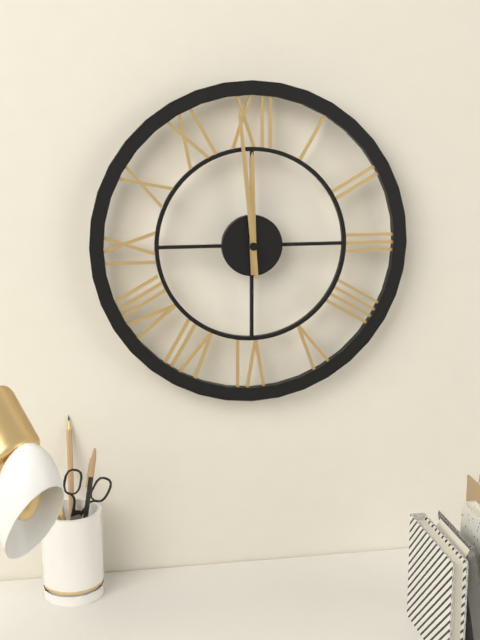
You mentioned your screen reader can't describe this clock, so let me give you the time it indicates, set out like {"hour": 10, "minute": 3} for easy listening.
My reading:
{"hour": 11, "minute": 59}
